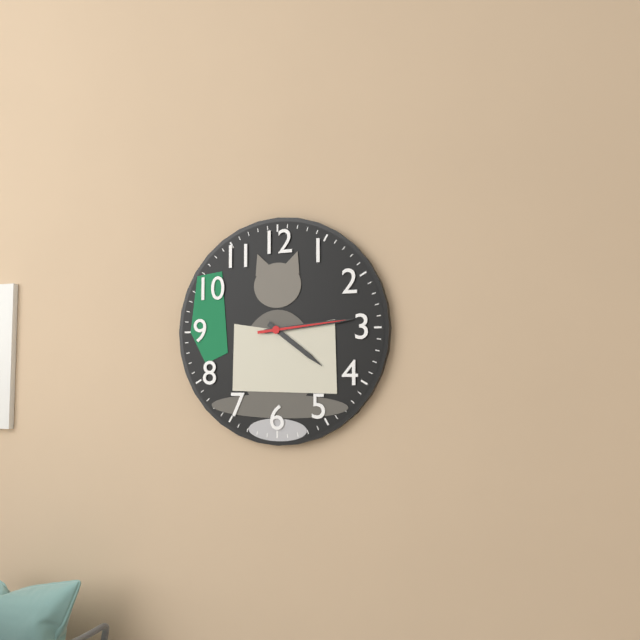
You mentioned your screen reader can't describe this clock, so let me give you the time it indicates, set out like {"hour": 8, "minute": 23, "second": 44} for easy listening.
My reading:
{"hour": 4, "minute": 14, "second": 14}
